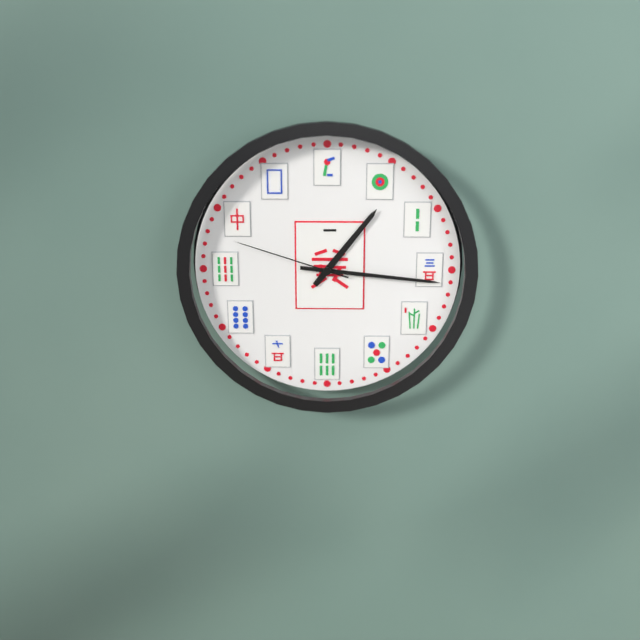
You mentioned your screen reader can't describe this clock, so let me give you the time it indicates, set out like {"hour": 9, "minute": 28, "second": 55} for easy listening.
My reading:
{"hour": 1, "minute": 16, "second": 48}
